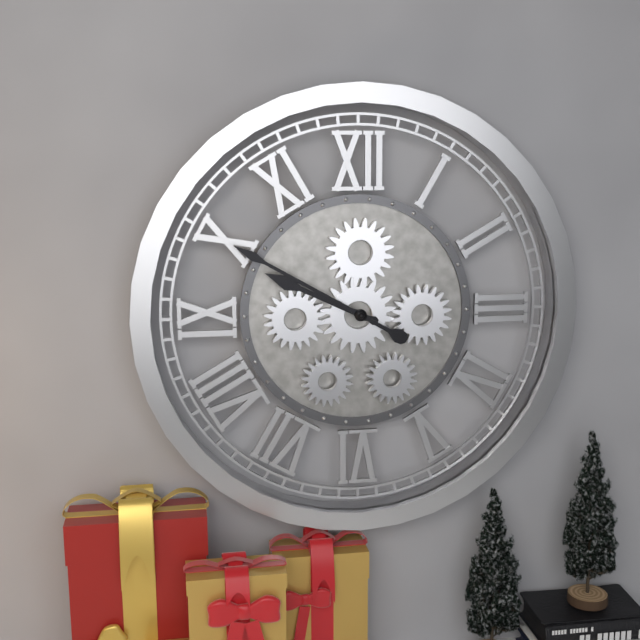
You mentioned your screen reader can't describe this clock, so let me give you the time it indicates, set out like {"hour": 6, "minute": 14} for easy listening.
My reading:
{"hour": 9, "minute": 50}
